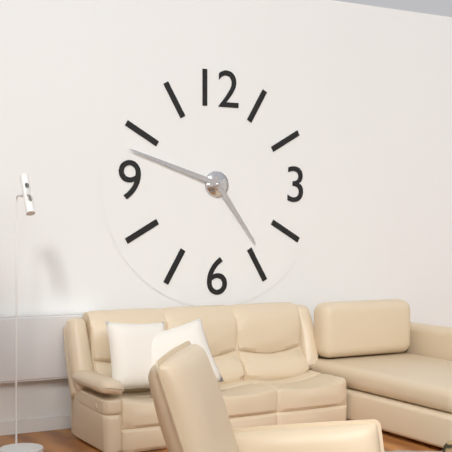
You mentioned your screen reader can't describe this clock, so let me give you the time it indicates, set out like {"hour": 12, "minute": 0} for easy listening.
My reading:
{"hour": 4, "minute": 48}
